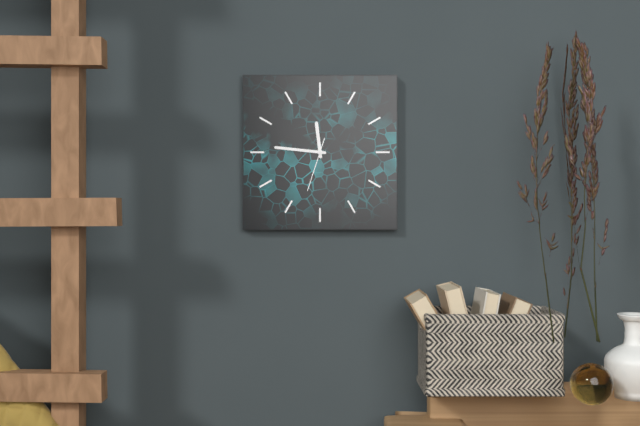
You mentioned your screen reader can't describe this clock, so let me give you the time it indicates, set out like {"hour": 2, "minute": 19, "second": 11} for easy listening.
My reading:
{"hour": 11, "minute": 46, "second": 33}
